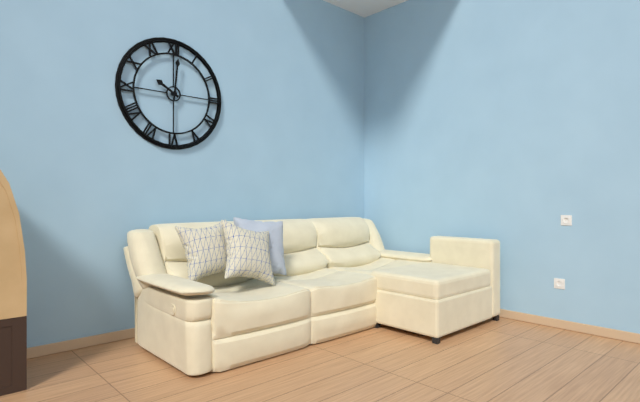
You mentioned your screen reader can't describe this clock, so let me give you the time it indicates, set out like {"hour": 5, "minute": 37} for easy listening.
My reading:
{"hour": 10, "minute": 1}
